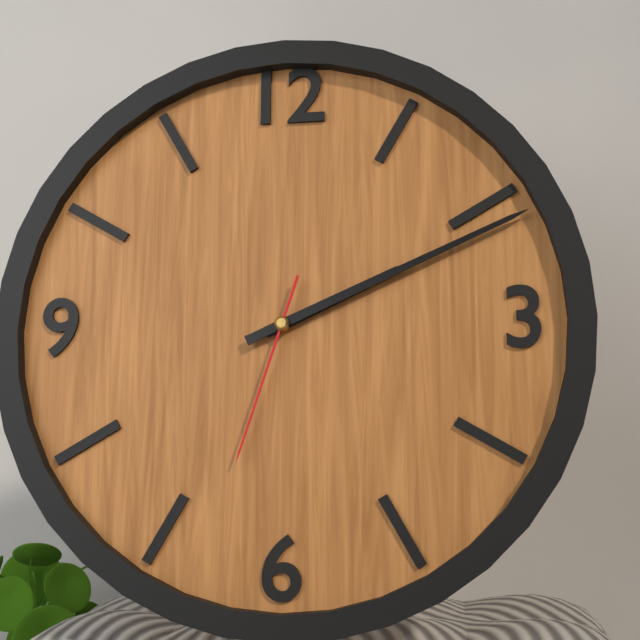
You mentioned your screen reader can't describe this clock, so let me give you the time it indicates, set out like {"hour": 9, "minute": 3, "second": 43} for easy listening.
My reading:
{"hour": 2, "minute": 11, "second": 33}
